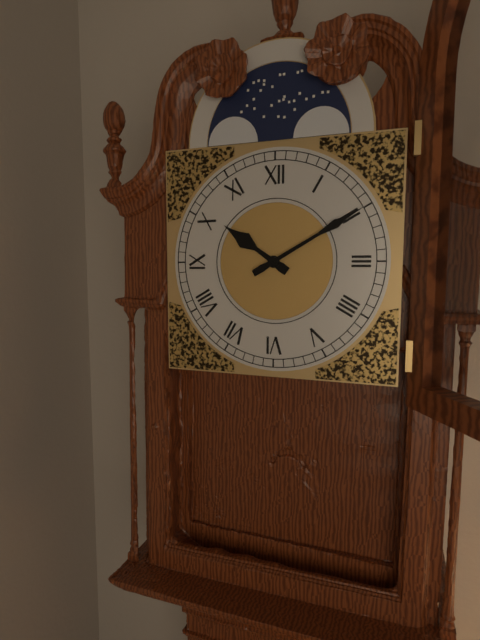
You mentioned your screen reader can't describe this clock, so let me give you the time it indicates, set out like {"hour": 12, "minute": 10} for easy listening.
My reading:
{"hour": 10, "minute": 10}
